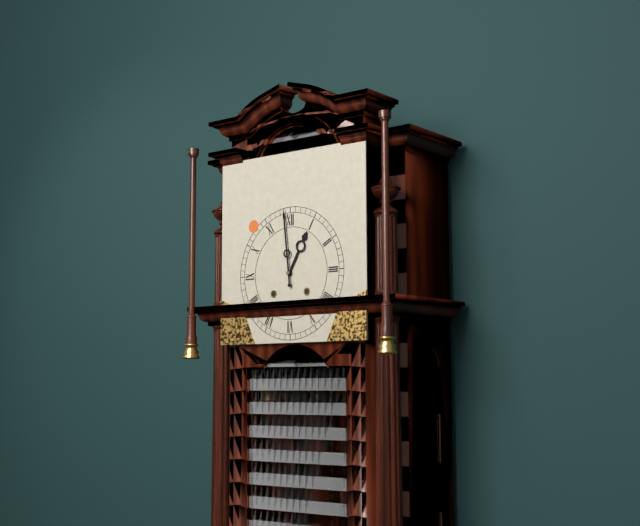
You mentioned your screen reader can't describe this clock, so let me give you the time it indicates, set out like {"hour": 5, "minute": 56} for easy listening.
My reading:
{"hour": 12, "minute": 59}
